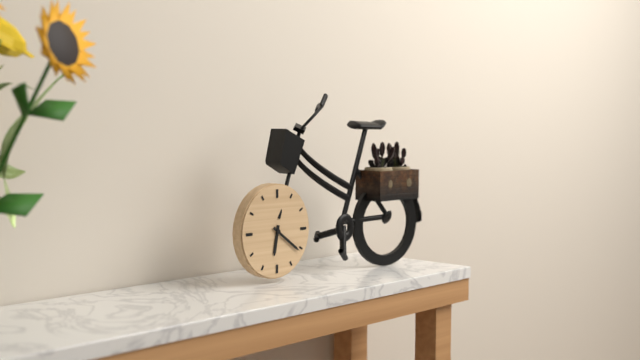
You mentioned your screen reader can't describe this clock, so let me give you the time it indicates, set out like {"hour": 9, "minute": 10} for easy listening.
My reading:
{"hour": 6, "minute": 21}
